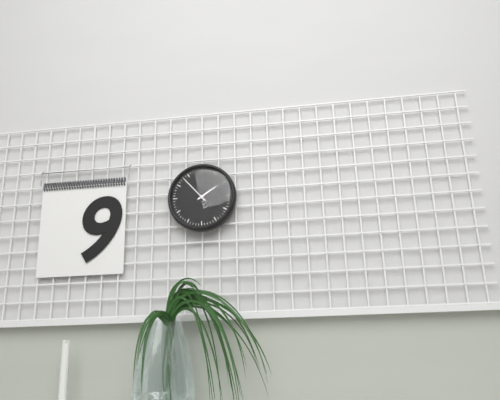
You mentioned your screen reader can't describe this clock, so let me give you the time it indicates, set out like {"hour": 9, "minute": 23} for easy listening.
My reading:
{"hour": 1, "minute": 53}
